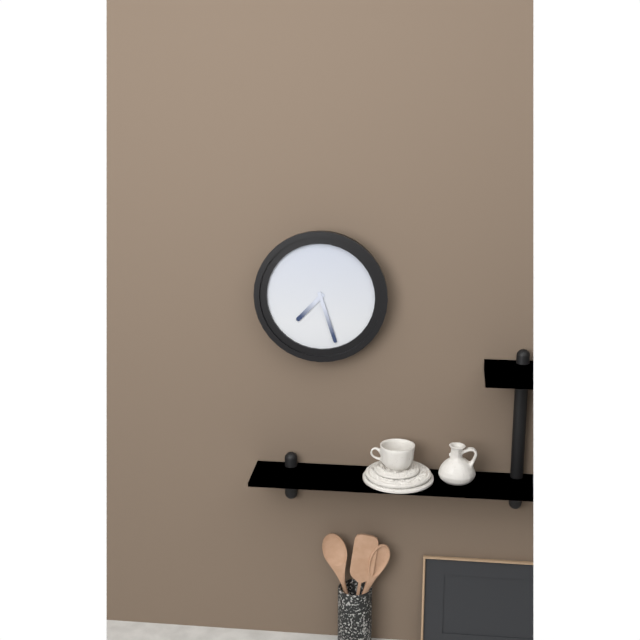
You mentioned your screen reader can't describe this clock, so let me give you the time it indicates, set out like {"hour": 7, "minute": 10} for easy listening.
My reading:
{"hour": 7, "minute": 27}
